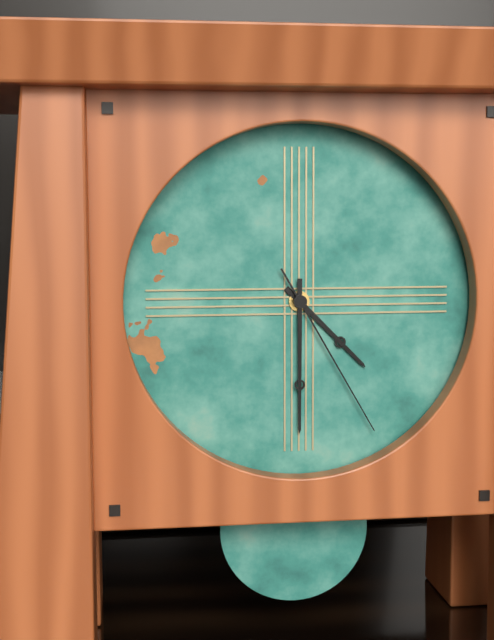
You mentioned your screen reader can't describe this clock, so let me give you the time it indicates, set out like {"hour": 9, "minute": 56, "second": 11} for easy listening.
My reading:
{"hour": 4, "minute": 30, "second": 25}
